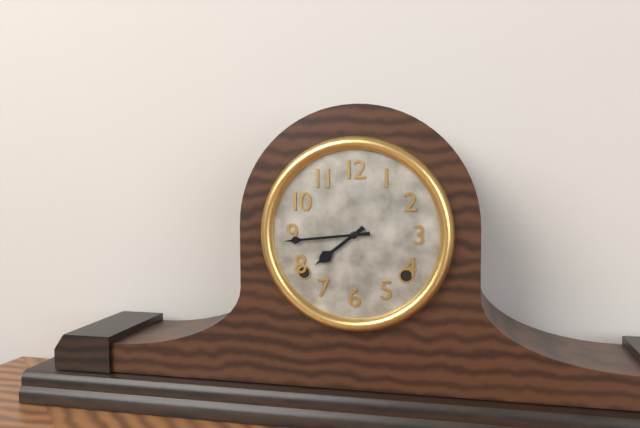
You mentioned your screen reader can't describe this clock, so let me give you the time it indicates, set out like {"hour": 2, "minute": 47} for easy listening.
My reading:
{"hour": 7, "minute": 44}
